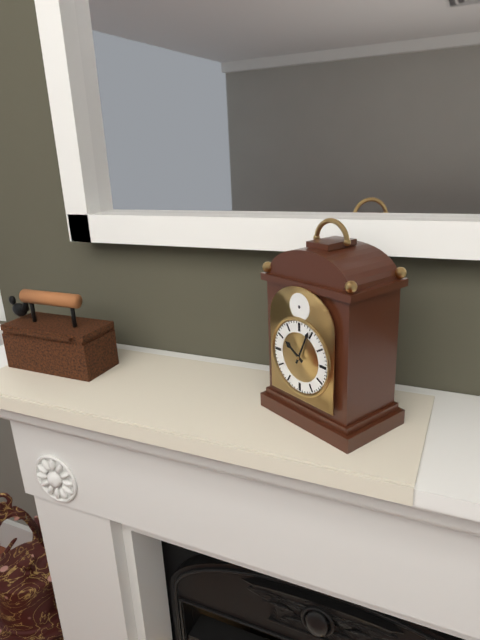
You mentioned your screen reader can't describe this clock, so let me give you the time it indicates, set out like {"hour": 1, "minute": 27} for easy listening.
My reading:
{"hour": 10, "minute": 4}
